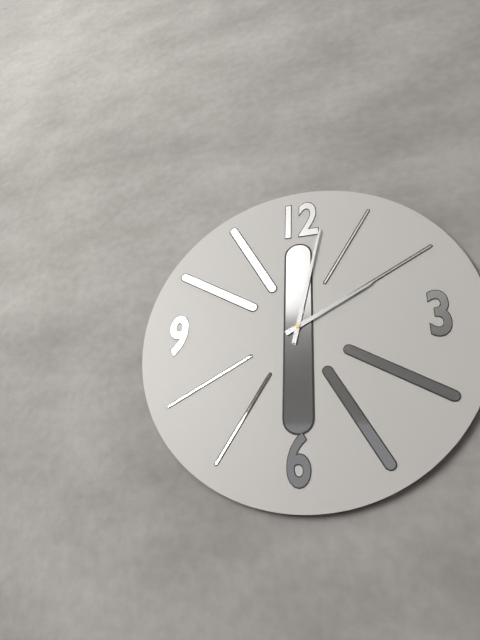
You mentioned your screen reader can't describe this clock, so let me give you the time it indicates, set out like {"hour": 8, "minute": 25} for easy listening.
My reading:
{"hour": 2, "minute": 2}
